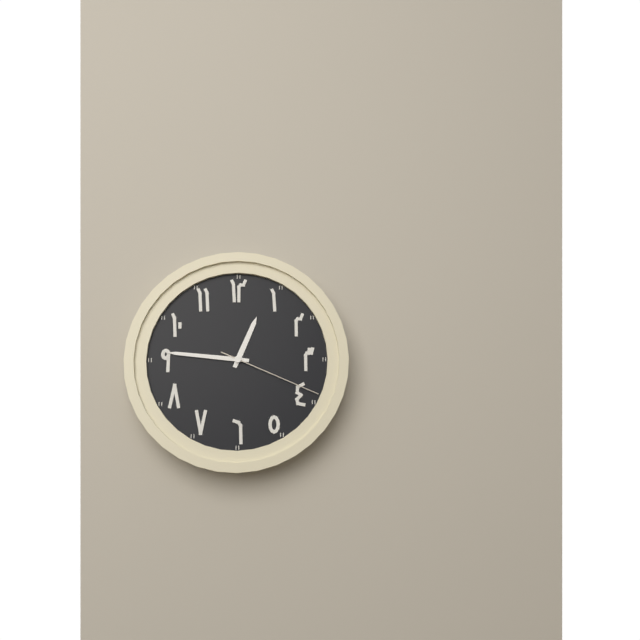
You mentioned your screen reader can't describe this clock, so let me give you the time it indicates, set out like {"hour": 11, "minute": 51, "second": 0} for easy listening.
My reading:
{"hour": 12, "minute": 46, "second": 19}
